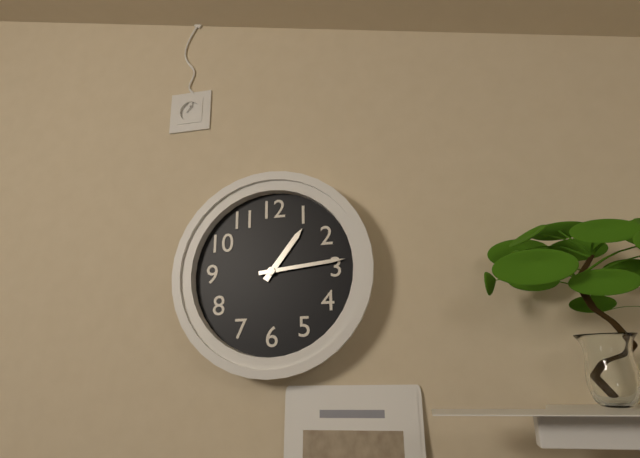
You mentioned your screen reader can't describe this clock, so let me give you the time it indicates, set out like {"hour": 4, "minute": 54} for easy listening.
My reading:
{"hour": 1, "minute": 14}
